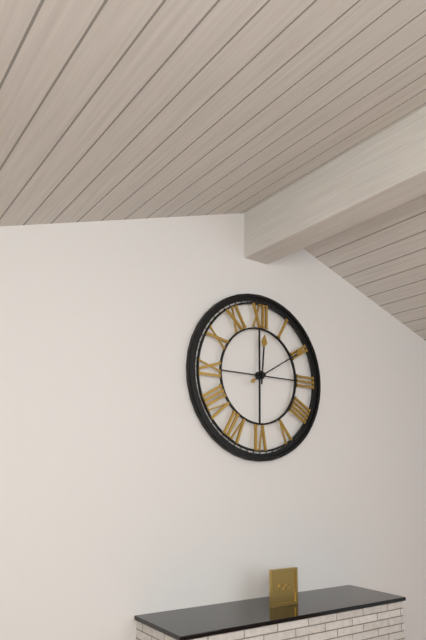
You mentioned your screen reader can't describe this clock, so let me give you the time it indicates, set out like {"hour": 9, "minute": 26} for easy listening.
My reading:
{"hour": 12, "minute": 10}
